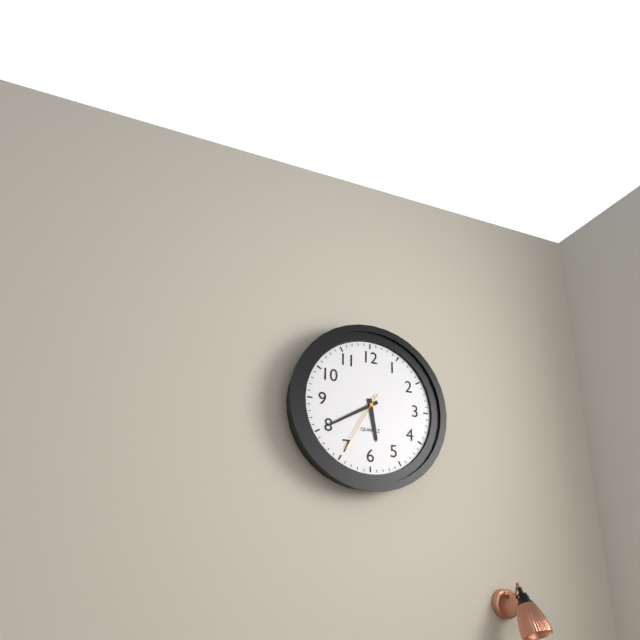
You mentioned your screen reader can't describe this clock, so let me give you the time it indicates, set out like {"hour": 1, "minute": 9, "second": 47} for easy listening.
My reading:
{"hour": 5, "minute": 40, "second": 35}
